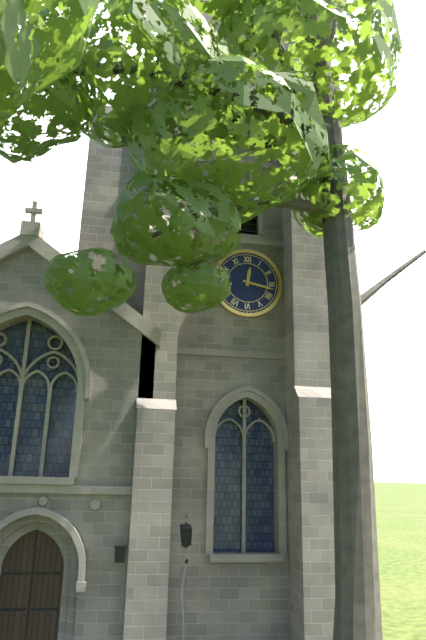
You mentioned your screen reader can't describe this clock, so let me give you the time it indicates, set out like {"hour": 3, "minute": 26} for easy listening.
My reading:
{"hour": 12, "minute": 17}
